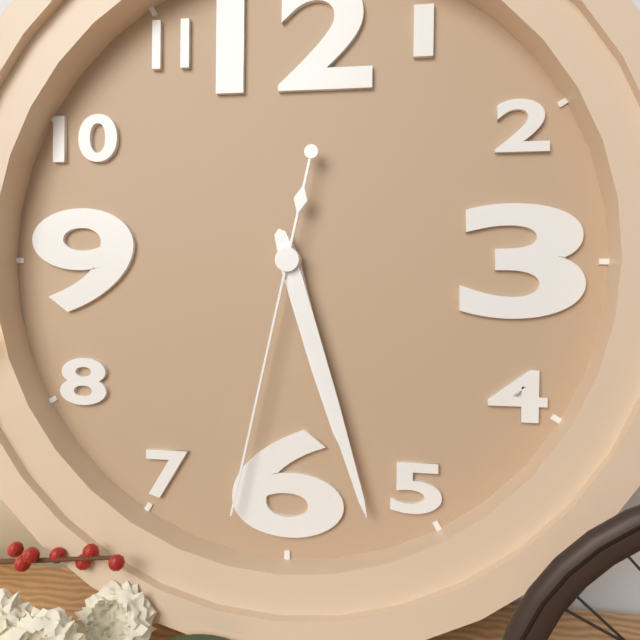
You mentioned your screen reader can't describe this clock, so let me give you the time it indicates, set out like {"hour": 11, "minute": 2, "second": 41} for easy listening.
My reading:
{"hour": 5, "minute": 27, "second": 32}
